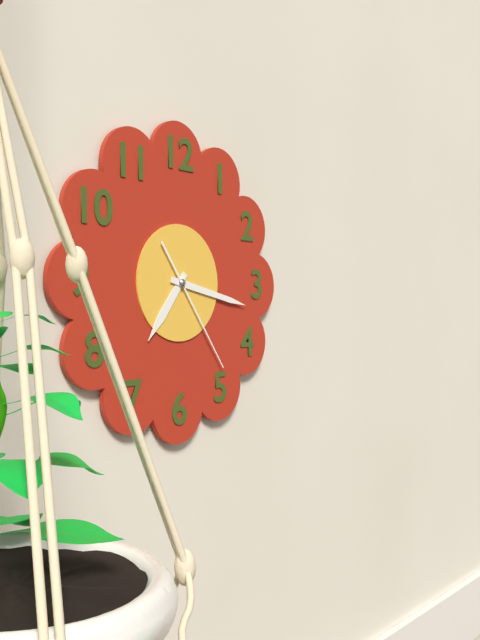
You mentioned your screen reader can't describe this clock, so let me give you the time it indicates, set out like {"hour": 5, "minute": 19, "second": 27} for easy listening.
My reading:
{"hour": 7, "minute": 17, "second": 24}
